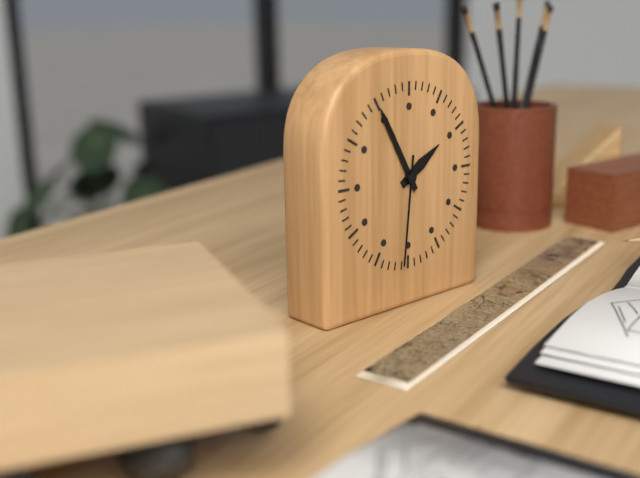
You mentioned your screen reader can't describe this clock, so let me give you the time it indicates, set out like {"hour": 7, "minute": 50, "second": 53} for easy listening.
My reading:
{"hour": 1, "minute": 55, "second": 31}
